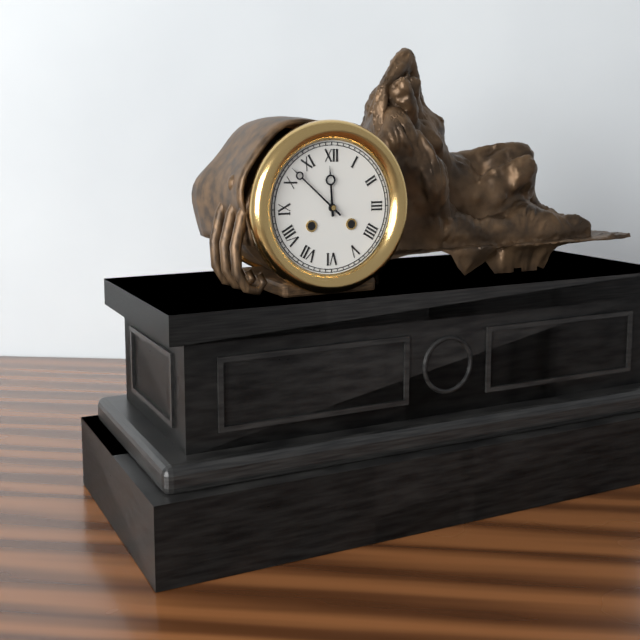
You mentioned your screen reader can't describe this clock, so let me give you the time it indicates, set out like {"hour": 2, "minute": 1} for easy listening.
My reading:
{"hour": 11, "minute": 52}
